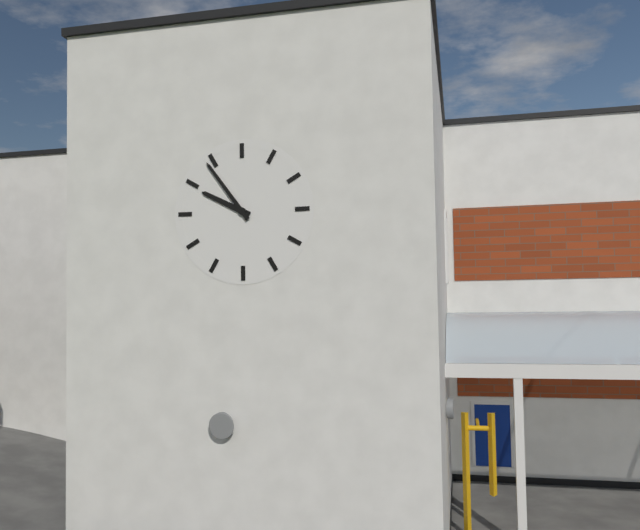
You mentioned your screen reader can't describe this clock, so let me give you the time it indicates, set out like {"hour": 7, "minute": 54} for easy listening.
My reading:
{"hour": 9, "minute": 54}
